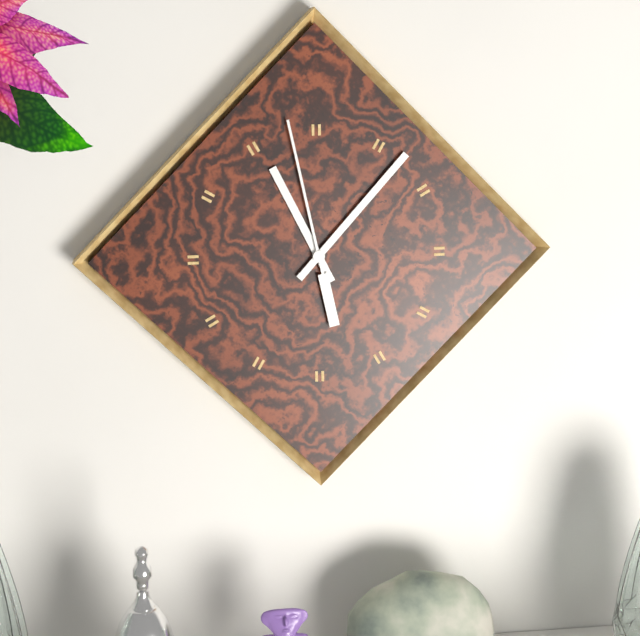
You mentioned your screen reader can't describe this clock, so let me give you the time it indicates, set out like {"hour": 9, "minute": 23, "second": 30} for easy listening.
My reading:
{"hour": 11, "minute": 7, "second": 58}
